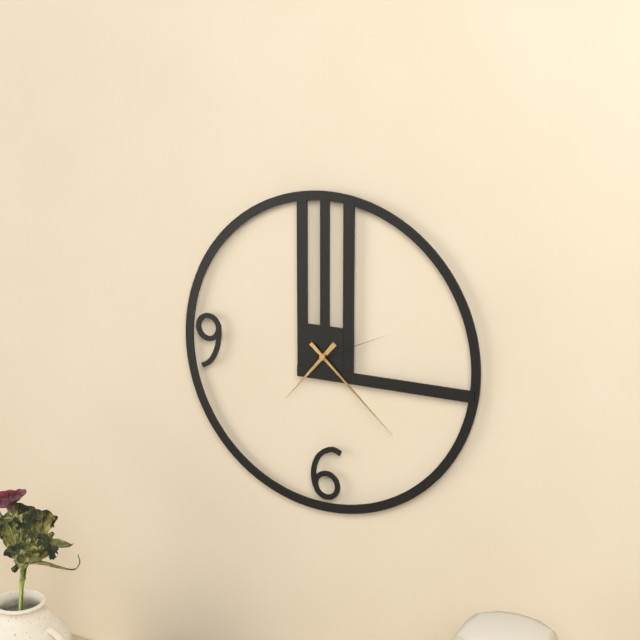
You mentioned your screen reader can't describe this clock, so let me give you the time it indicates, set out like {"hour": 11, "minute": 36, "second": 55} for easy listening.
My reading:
{"hour": 7, "minute": 22, "second": 11}
